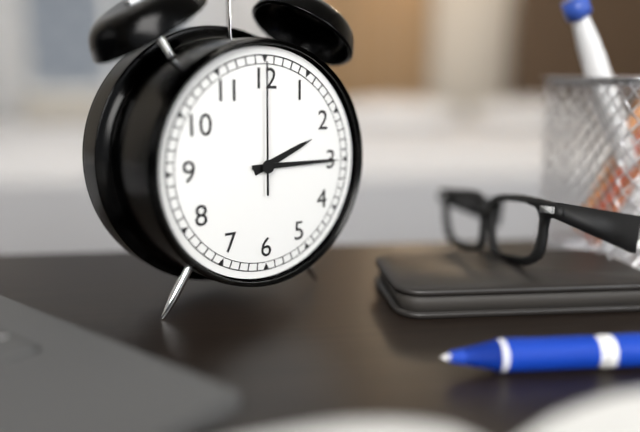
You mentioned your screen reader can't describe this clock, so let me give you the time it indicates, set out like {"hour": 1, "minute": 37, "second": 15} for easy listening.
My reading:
{"hour": 2, "minute": 15, "second": 0}
